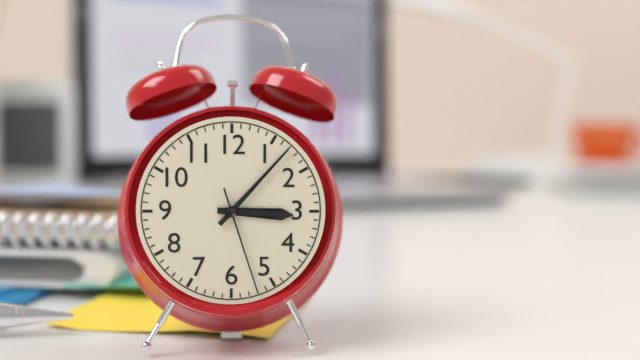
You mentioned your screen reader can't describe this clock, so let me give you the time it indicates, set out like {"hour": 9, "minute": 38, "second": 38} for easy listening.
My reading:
{"hour": 3, "minute": 7, "second": 27}
